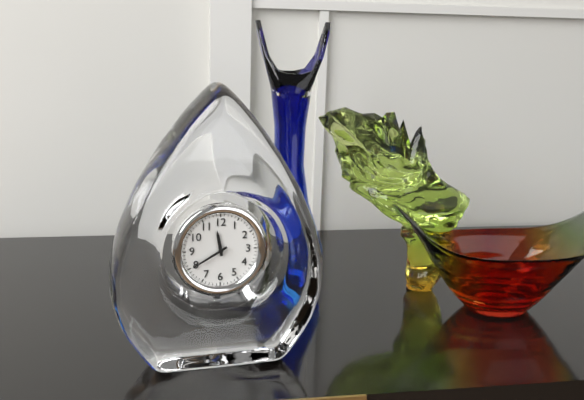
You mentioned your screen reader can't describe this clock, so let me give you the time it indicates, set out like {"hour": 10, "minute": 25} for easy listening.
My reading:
{"hour": 11, "minute": 40}
